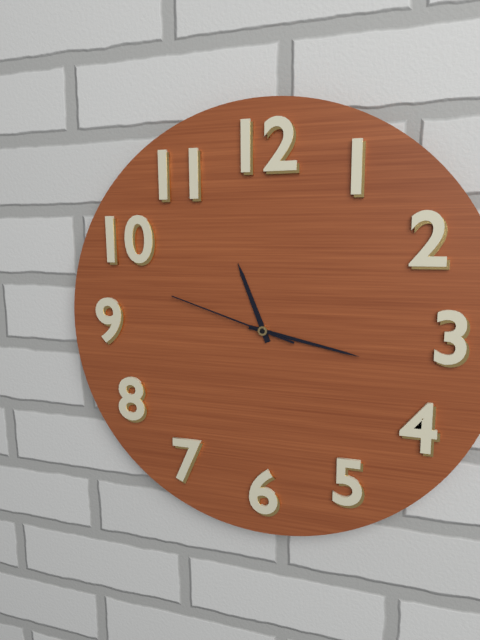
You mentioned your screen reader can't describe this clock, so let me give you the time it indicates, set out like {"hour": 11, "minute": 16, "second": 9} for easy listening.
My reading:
{"hour": 11, "minute": 17, "second": 48}
